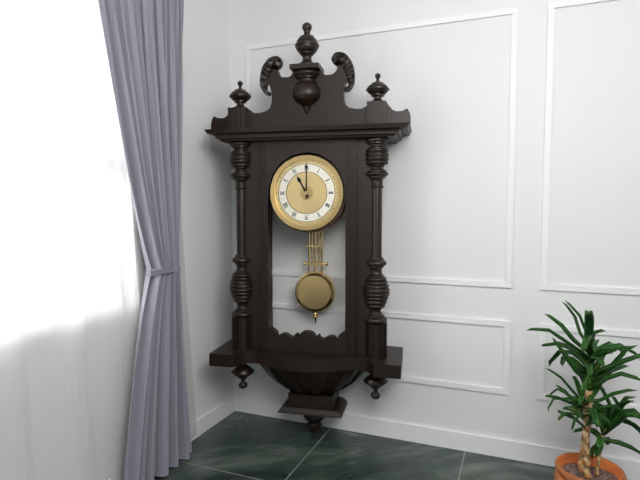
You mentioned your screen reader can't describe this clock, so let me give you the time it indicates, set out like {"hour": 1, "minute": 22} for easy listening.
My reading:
{"hour": 11, "minute": 0}
